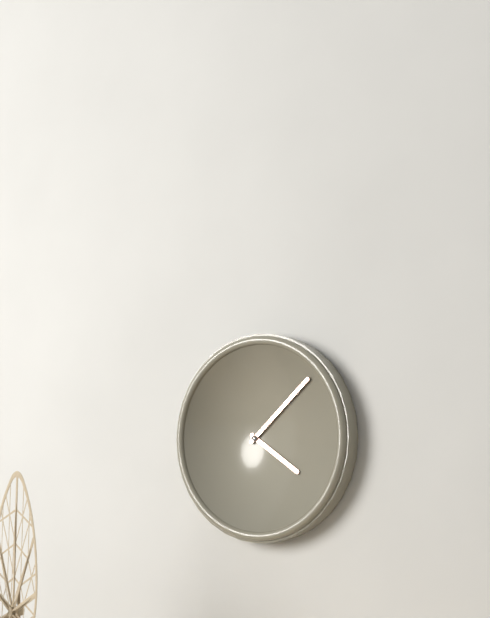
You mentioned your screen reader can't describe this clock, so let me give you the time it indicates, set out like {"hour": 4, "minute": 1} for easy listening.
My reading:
{"hour": 4, "minute": 8}
